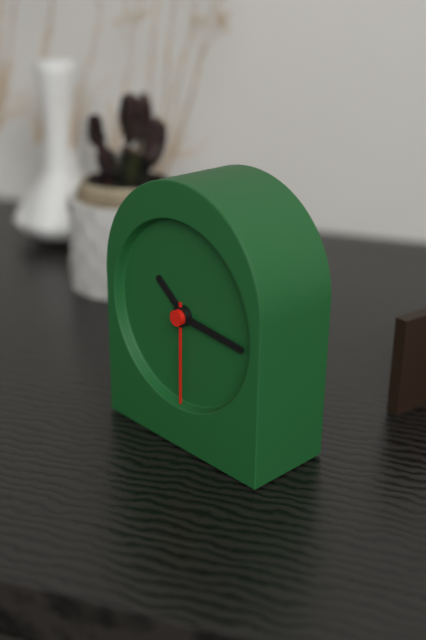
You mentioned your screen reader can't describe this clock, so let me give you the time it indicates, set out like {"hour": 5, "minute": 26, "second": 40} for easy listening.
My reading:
{"hour": 10, "minute": 16, "second": 30}
